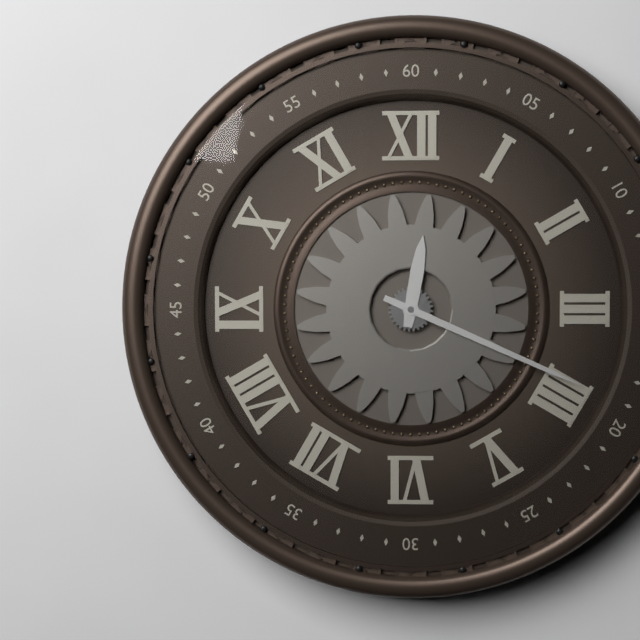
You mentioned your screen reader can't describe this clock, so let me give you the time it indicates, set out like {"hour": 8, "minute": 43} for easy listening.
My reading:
{"hour": 12, "minute": 19}
